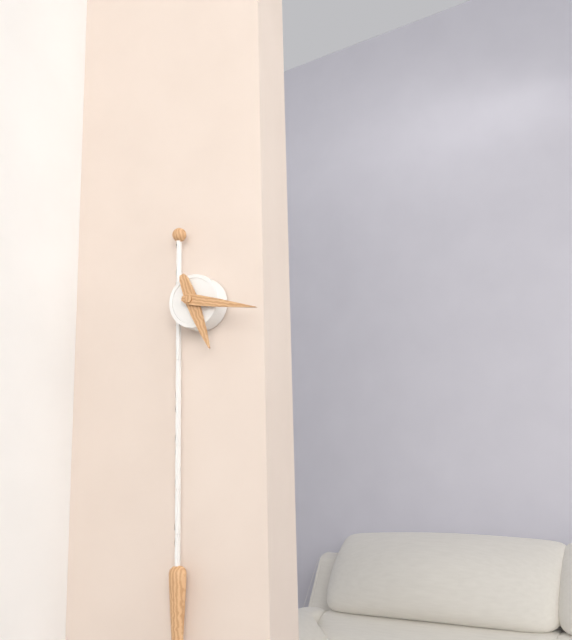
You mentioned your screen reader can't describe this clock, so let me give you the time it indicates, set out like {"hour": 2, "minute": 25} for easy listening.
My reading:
{"hour": 5, "minute": 17}
